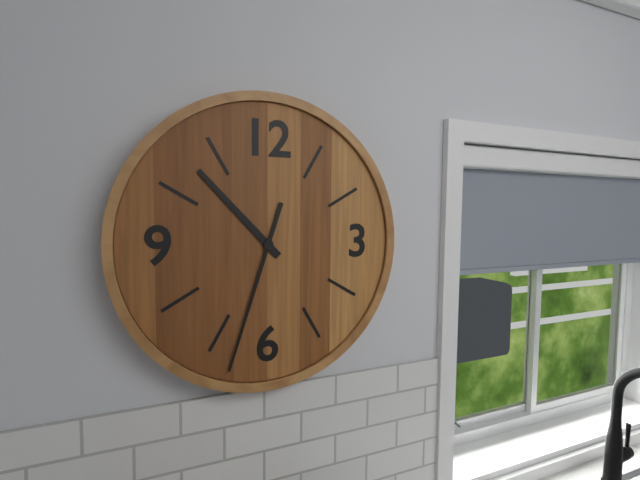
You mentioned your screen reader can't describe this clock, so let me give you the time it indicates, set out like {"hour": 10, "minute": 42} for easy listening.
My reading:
{"hour": 10, "minute": 33}
